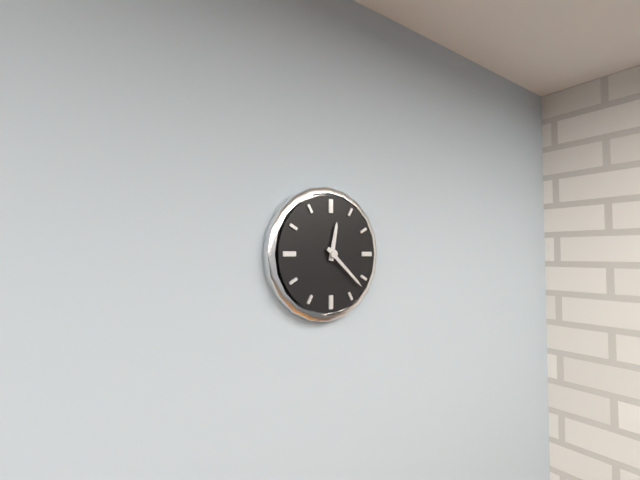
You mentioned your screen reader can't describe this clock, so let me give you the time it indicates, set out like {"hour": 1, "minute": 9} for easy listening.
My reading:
{"hour": 12, "minute": 22}
